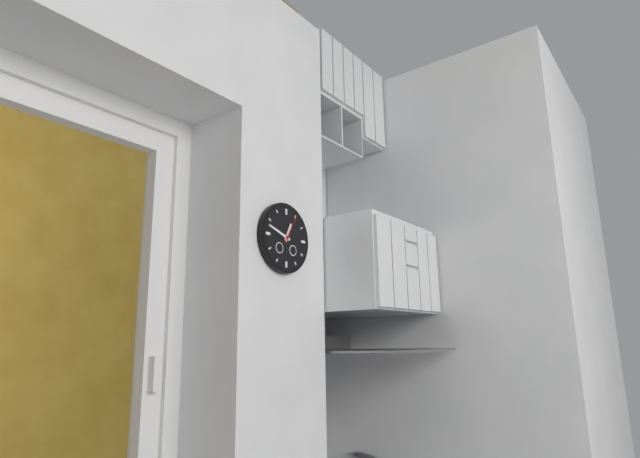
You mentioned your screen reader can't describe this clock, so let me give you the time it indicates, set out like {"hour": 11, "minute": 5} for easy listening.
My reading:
{"hour": 12, "minute": 48}
